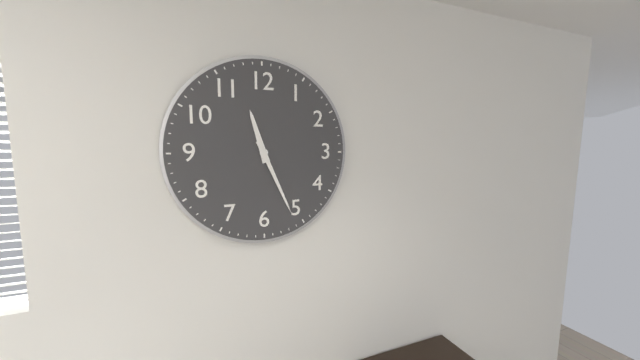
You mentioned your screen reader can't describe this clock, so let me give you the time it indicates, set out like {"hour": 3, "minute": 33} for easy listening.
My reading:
{"hour": 11, "minute": 26}
